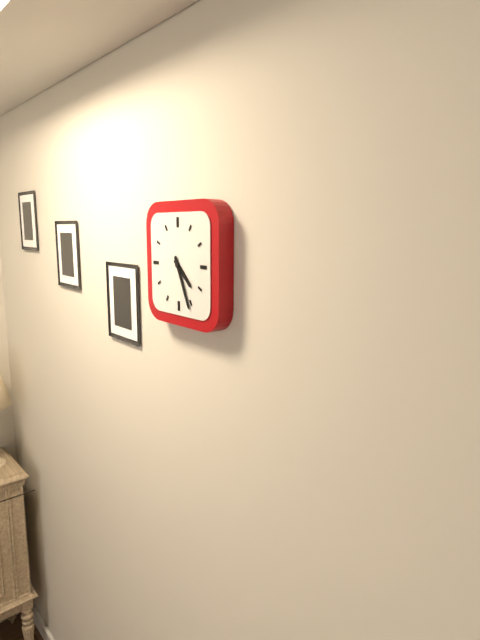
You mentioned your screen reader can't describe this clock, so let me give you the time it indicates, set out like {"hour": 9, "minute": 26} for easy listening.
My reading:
{"hour": 4, "minute": 26}
